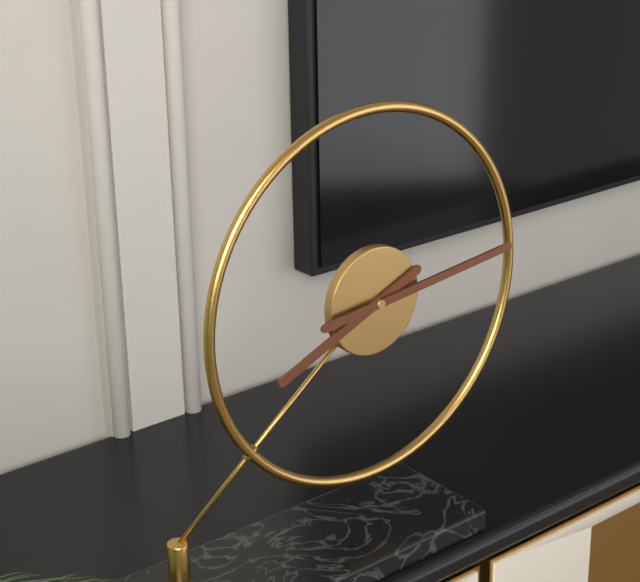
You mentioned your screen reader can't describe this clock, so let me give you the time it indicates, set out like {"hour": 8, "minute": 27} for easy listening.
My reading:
{"hour": 8, "minute": 14}
